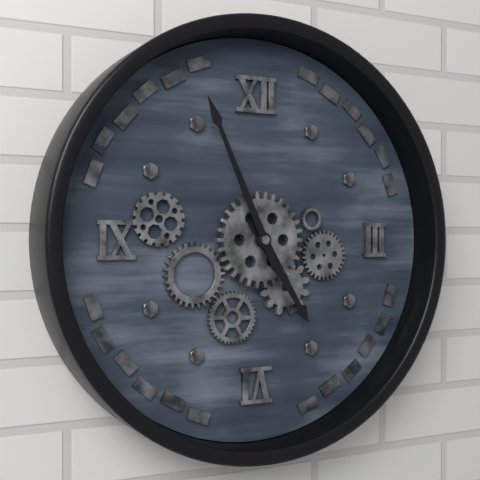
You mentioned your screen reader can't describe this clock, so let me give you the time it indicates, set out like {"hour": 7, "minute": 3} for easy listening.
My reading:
{"hour": 4, "minute": 56}
